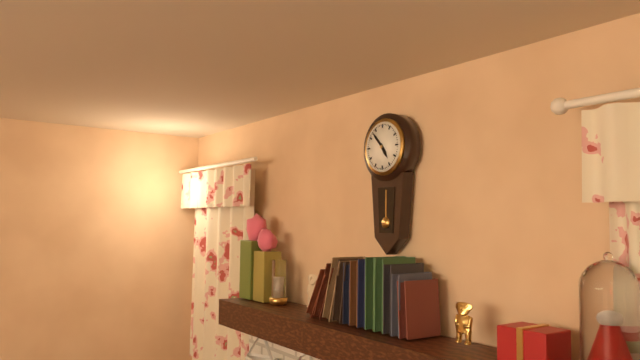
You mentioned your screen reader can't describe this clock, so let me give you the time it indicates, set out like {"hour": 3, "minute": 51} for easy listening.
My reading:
{"hour": 4, "minute": 53}
